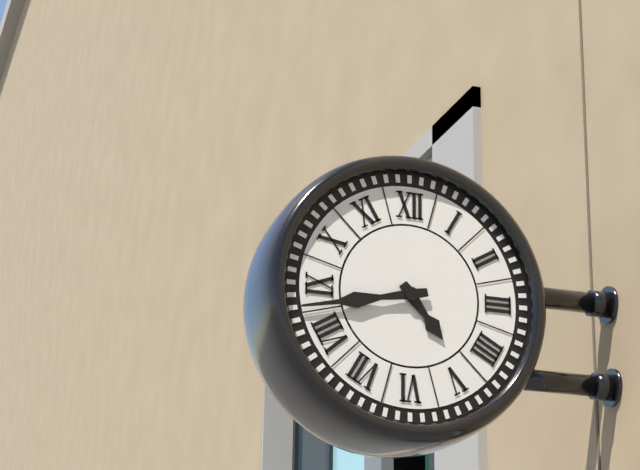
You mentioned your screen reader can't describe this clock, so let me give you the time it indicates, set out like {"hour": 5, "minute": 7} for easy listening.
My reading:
{"hour": 4, "minute": 43}
